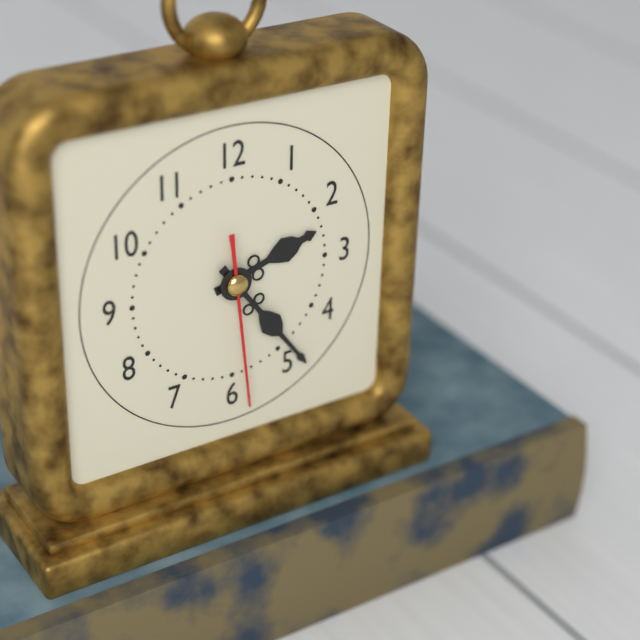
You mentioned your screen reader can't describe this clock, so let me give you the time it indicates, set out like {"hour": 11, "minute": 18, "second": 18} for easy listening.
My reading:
{"hour": 2, "minute": 24, "second": 29}
